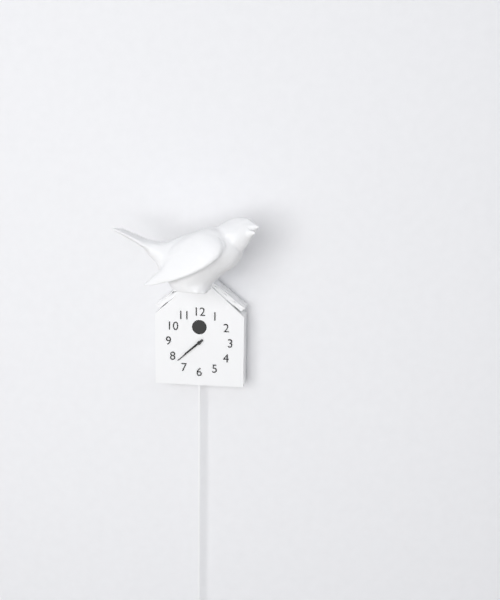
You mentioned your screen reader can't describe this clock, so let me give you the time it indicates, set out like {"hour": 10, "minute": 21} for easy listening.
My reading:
{"hour": 7, "minute": 38}
